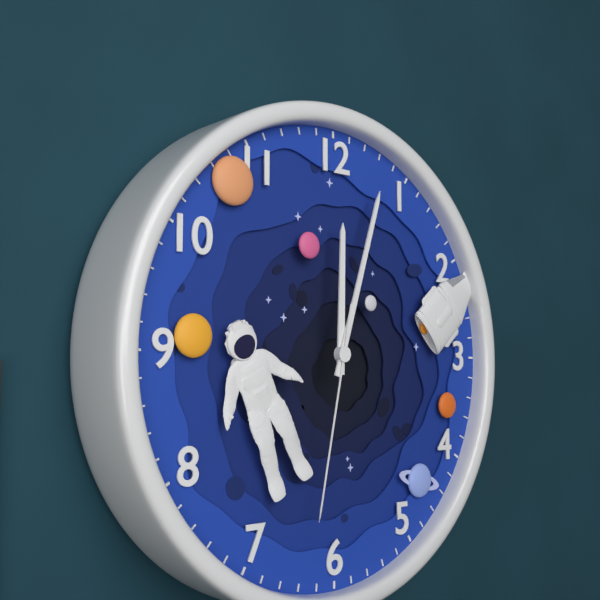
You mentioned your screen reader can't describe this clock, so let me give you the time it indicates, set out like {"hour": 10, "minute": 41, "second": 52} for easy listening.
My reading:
{"hour": 12, "minute": 3, "second": 32}
